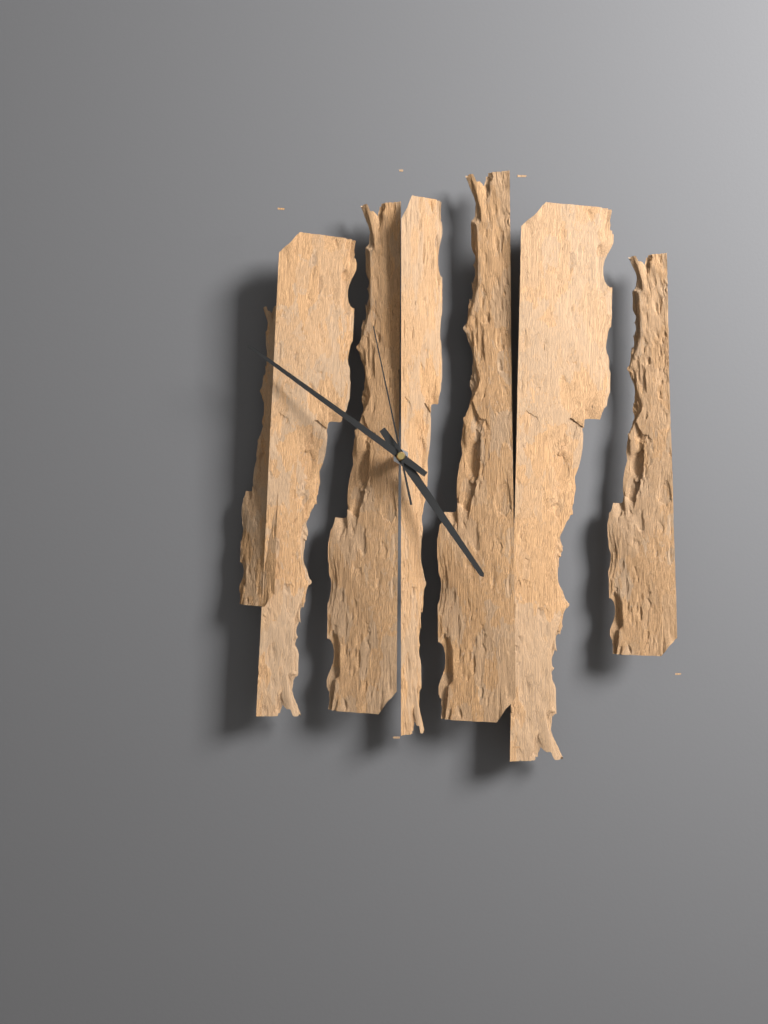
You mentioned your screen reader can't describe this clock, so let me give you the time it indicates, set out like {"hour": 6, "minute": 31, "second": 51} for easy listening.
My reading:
{"hour": 4, "minute": 51, "second": 58}
